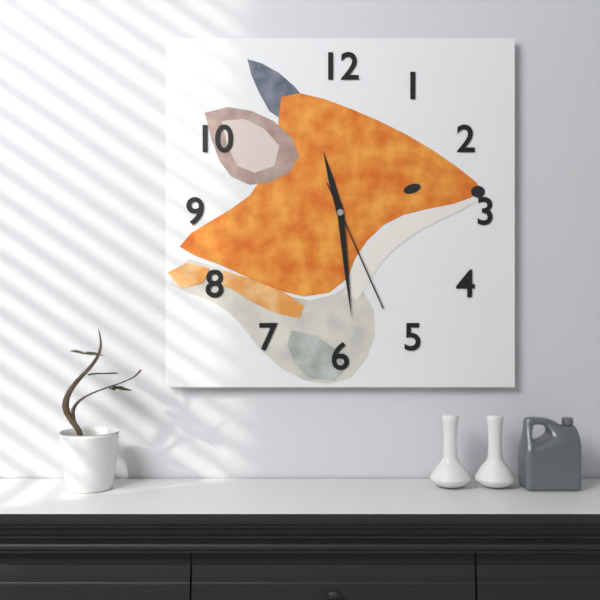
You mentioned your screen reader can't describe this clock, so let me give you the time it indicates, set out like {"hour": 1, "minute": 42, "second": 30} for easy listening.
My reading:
{"hour": 11, "minute": 29, "second": 26}
